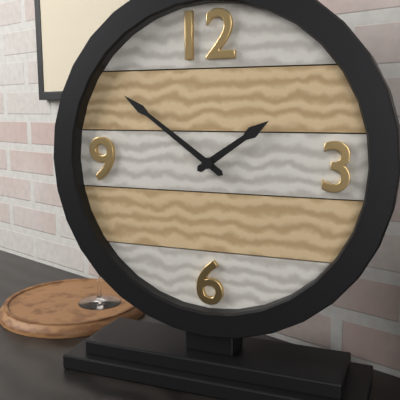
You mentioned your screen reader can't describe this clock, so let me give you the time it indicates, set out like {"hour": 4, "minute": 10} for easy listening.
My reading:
{"hour": 1, "minute": 51}
